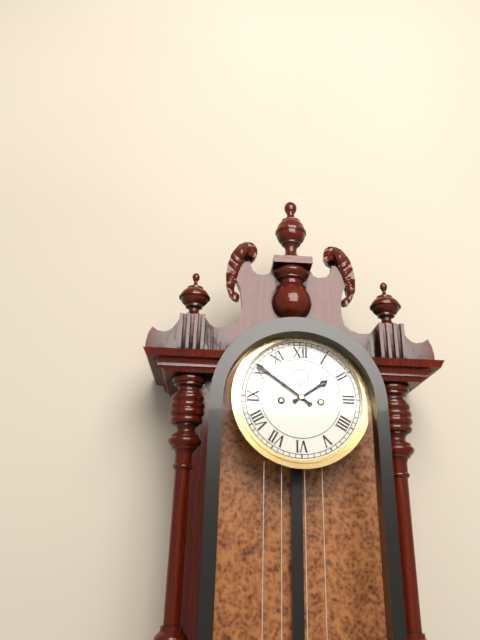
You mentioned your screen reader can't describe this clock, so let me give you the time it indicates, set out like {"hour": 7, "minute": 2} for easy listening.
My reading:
{"hour": 1, "minute": 51}
